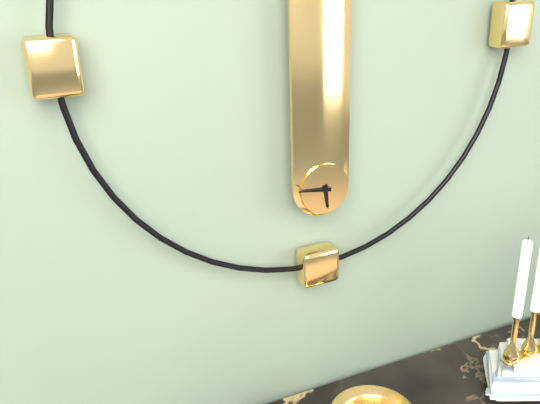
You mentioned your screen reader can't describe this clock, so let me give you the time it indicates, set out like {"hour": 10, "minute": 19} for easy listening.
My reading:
{"hour": 5, "minute": 46}
